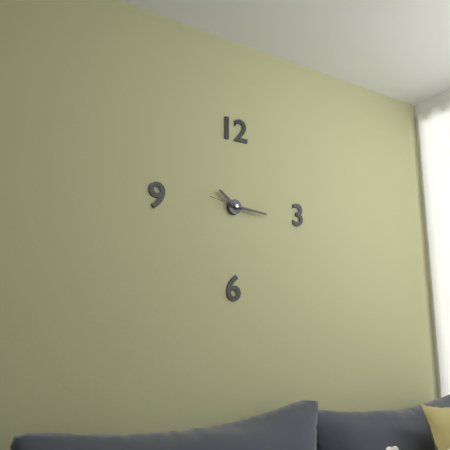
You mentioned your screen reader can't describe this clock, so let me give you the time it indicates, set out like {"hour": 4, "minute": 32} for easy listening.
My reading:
{"hour": 10, "minute": 16}
